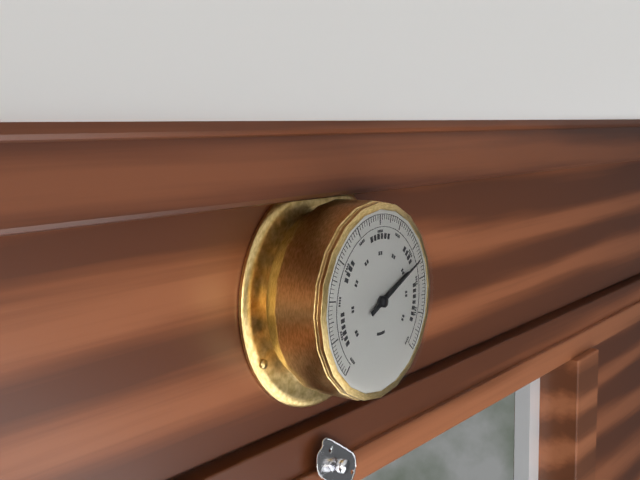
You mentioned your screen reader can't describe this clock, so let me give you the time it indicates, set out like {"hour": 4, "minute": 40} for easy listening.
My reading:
{"hour": 2, "minute": 11}
